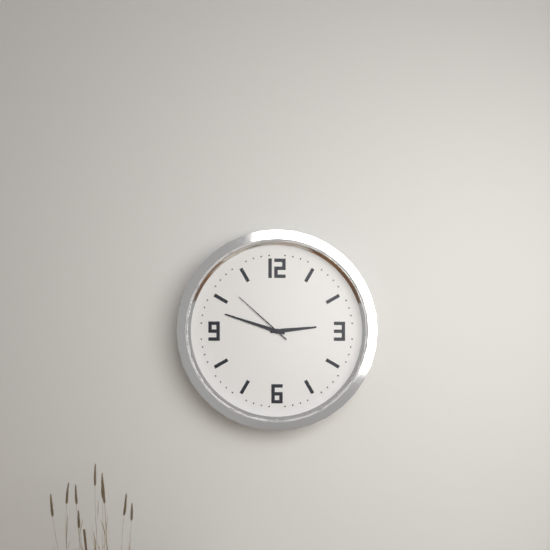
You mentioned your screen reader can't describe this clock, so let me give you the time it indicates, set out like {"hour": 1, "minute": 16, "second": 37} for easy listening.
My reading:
{"hour": 2, "minute": 48, "second": 52}
